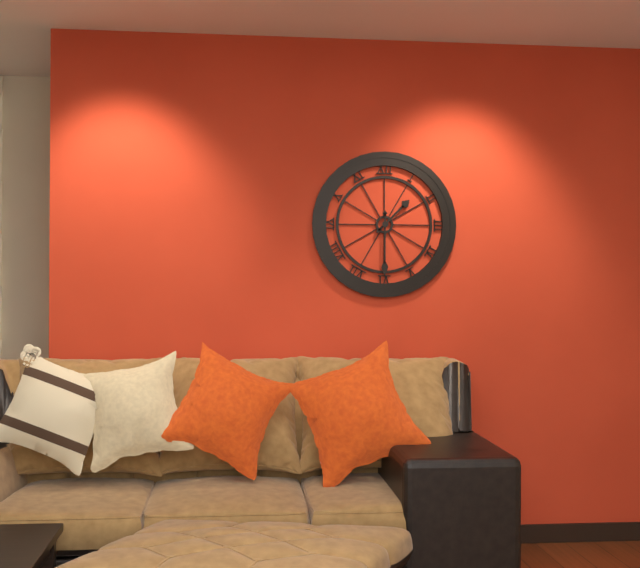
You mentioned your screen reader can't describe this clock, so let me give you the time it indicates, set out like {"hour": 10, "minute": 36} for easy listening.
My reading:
{"hour": 1, "minute": 30}
